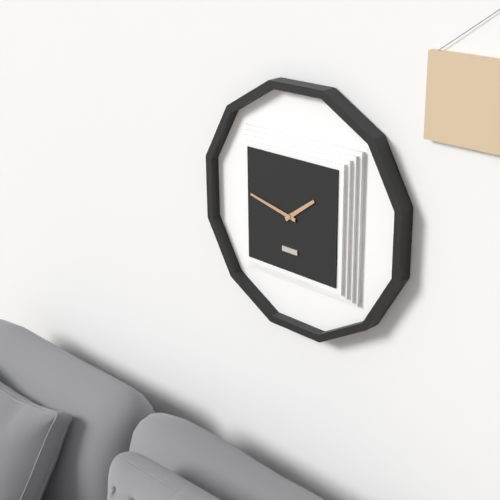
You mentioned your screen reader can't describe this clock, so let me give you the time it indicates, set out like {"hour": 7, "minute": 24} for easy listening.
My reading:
{"hour": 1, "minute": 47}
